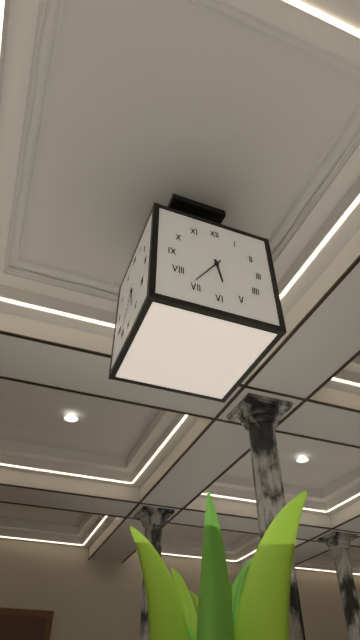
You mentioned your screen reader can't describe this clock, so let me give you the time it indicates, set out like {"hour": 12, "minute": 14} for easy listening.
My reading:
{"hour": 5, "minute": 36}
